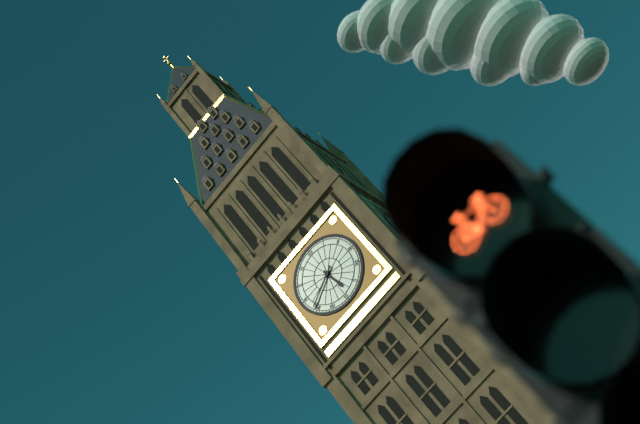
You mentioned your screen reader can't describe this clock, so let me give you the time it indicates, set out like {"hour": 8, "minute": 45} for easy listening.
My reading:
{"hour": 5, "minute": 41}
